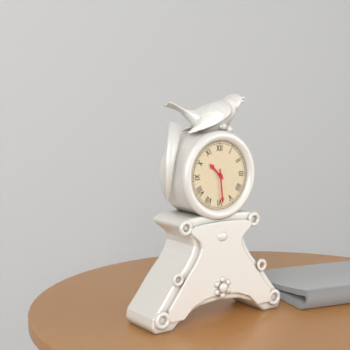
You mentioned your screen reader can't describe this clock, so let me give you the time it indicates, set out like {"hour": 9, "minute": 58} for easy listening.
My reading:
{"hour": 10, "minute": 29}
